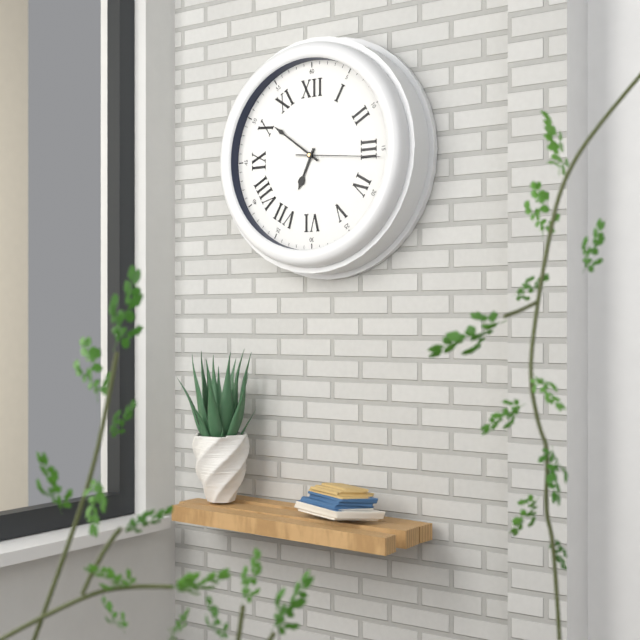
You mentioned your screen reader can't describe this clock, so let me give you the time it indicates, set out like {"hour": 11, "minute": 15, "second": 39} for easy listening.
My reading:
{"hour": 6, "minute": 51, "second": 16}
